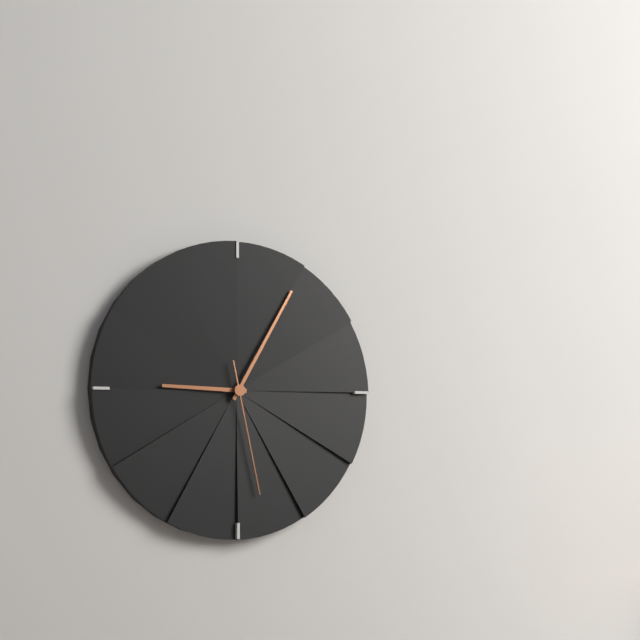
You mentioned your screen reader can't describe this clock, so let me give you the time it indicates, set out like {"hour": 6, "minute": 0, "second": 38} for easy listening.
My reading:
{"hour": 9, "minute": 5, "second": 28}
